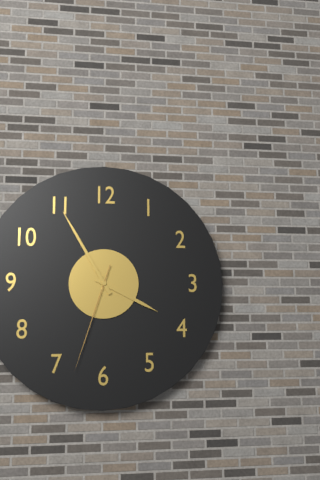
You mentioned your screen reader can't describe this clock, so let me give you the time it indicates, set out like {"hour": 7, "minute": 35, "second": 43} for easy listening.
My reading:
{"hour": 3, "minute": 55, "second": 33}
